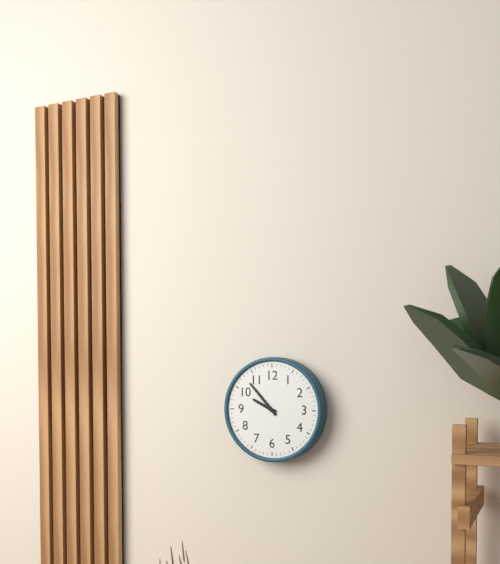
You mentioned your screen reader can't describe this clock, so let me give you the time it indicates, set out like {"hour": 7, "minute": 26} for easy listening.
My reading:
{"hour": 9, "minute": 53}
